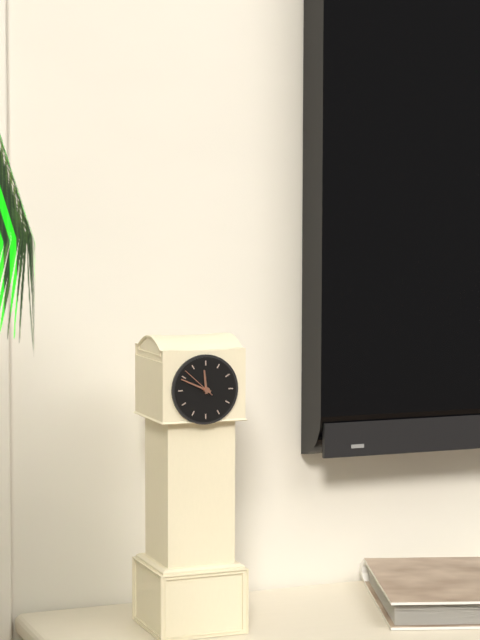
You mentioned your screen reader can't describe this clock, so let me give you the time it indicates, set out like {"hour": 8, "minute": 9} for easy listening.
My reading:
{"hour": 11, "minute": 49}
